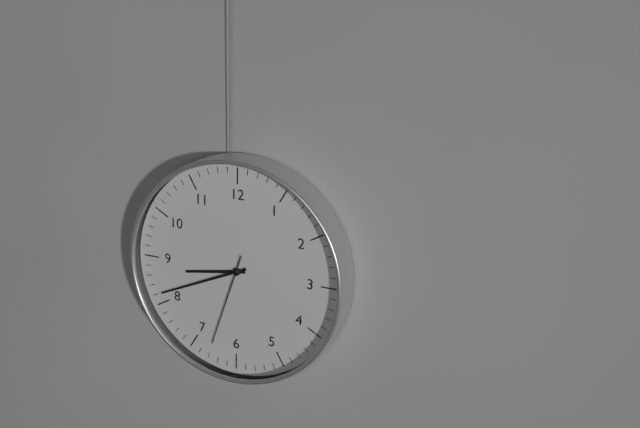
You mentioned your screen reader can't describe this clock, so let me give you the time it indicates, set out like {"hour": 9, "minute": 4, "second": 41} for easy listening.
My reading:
{"hour": 8, "minute": 41, "second": 33}
